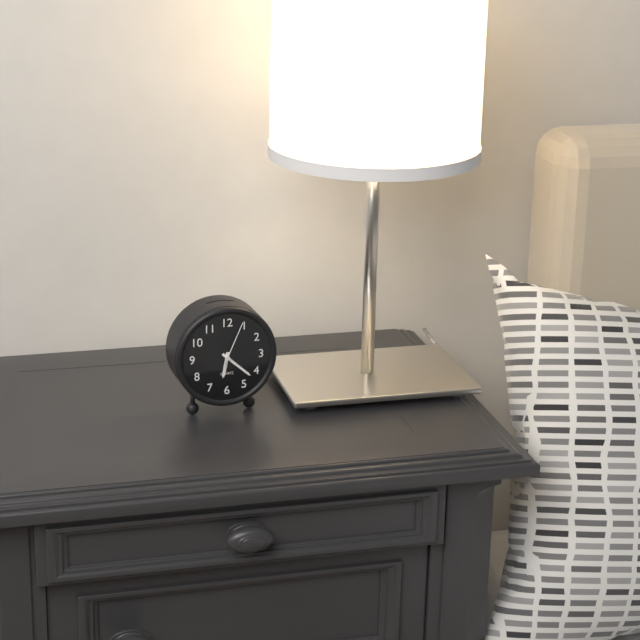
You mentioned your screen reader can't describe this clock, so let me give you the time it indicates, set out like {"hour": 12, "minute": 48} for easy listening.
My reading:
{"hour": 6, "minute": 22}
